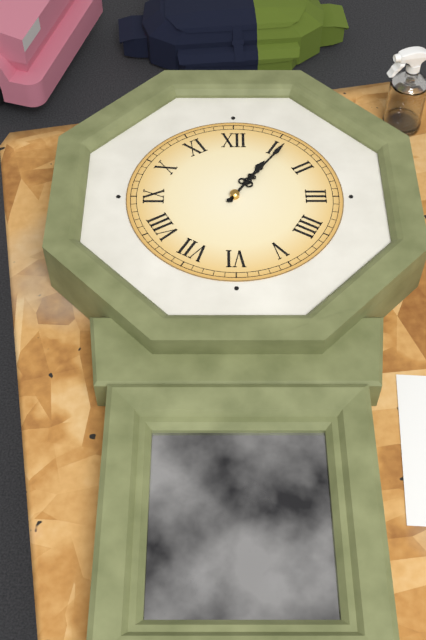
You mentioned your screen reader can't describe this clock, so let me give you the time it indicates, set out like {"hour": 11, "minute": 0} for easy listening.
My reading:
{"hour": 1, "minute": 6}
